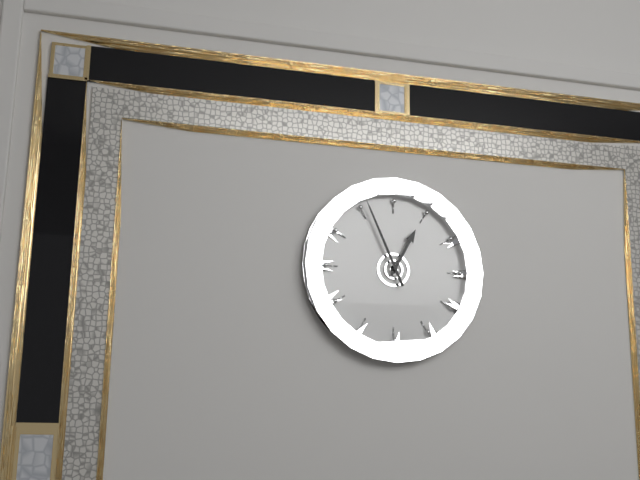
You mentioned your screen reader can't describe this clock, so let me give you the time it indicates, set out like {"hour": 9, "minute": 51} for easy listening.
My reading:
{"hour": 12, "minute": 56}
